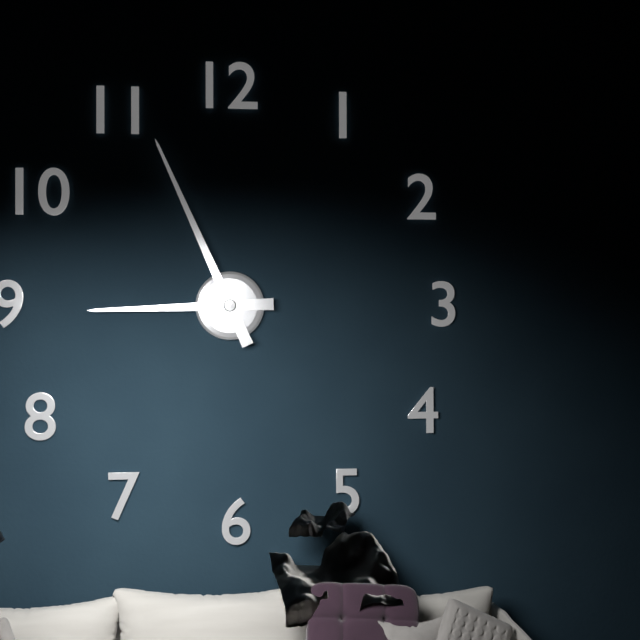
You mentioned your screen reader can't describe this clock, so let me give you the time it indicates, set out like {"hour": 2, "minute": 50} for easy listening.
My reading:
{"hour": 8, "minute": 56}
